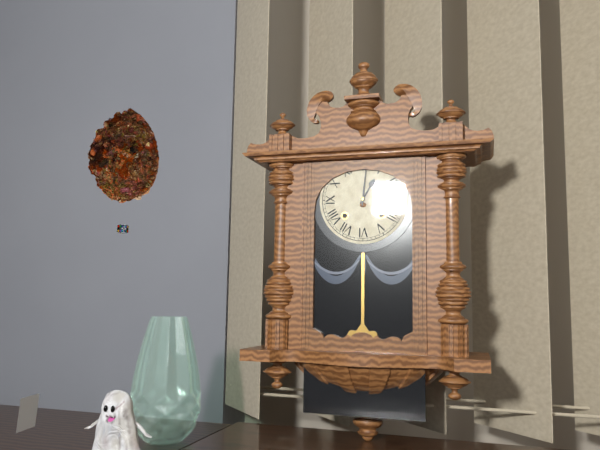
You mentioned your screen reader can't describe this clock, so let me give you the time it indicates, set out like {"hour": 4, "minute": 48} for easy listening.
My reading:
{"hour": 1, "minute": 1}
